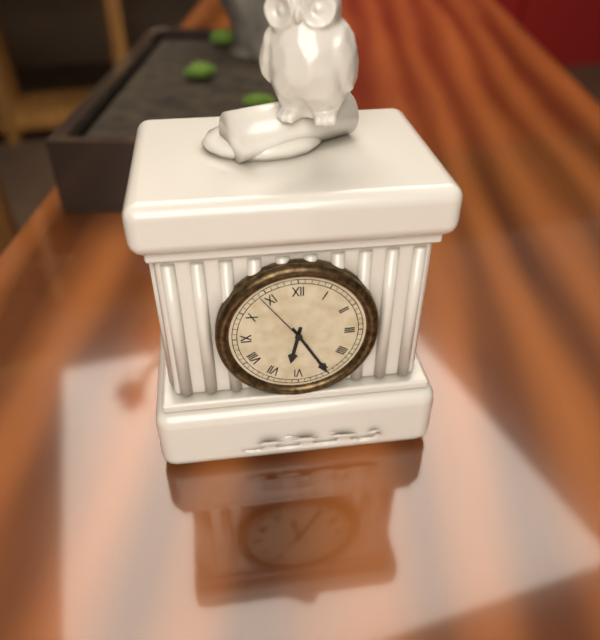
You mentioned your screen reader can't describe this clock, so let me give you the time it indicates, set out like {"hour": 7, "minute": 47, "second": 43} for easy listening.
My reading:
{"hour": 6, "minute": 25, "second": 54}
